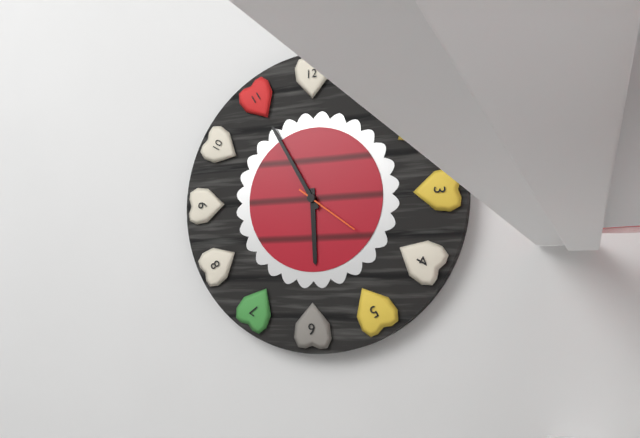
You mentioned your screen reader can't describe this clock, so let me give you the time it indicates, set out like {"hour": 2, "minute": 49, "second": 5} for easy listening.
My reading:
{"hour": 5, "minute": 55, "second": 21}
